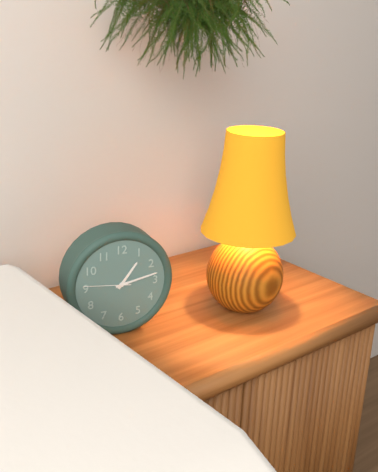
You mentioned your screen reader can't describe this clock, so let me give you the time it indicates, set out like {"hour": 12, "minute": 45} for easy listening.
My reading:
{"hour": 1, "minute": 13}
